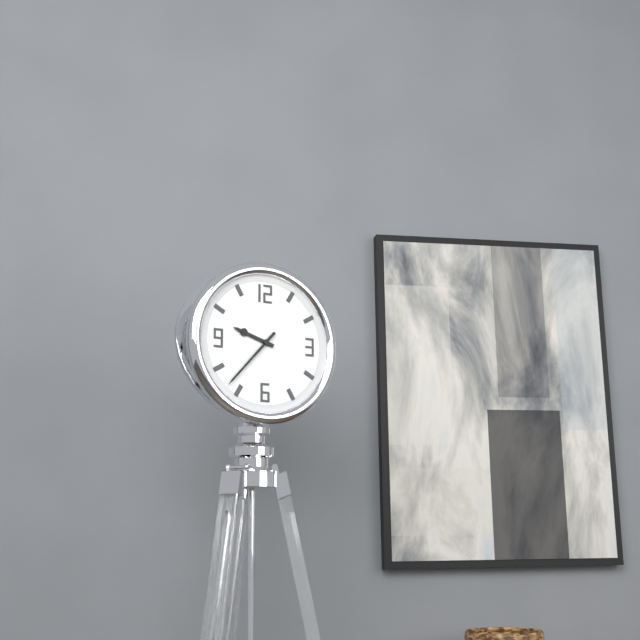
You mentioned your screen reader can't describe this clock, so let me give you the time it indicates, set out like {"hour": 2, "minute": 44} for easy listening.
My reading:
{"hour": 9, "minute": 37}
